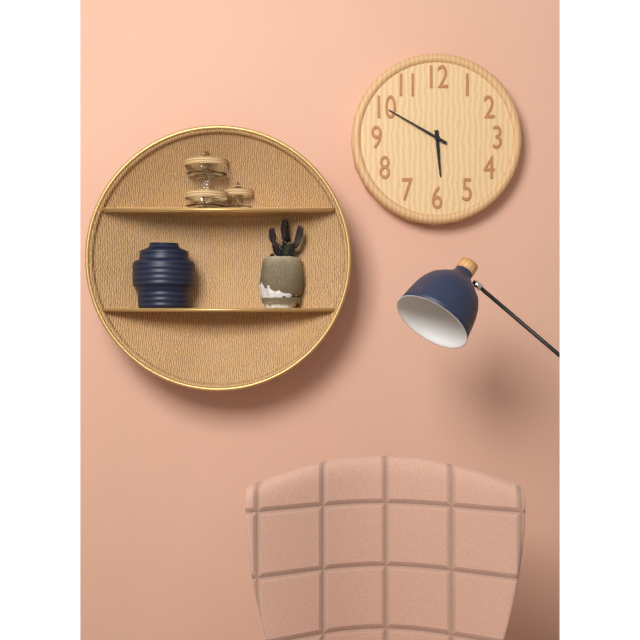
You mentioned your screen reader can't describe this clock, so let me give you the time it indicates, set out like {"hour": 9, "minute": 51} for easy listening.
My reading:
{"hour": 5, "minute": 50}
